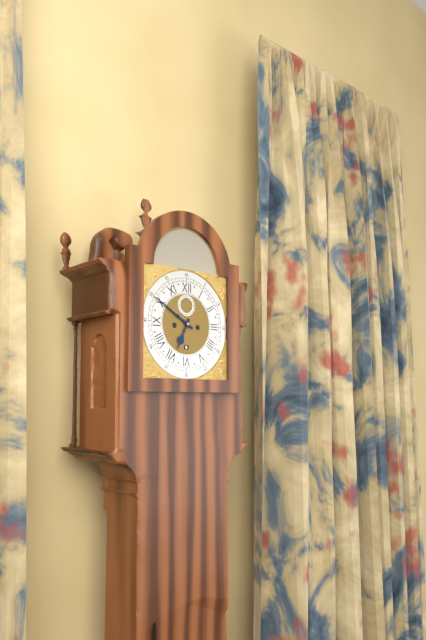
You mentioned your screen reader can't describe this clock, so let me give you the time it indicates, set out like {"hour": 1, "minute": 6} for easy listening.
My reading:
{"hour": 6, "minute": 50}
